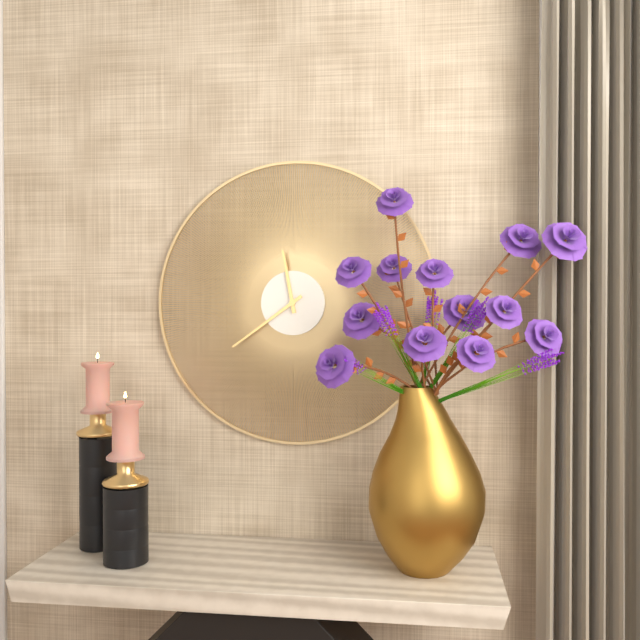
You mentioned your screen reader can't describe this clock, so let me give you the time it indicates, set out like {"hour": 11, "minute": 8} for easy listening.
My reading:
{"hour": 11, "minute": 39}
